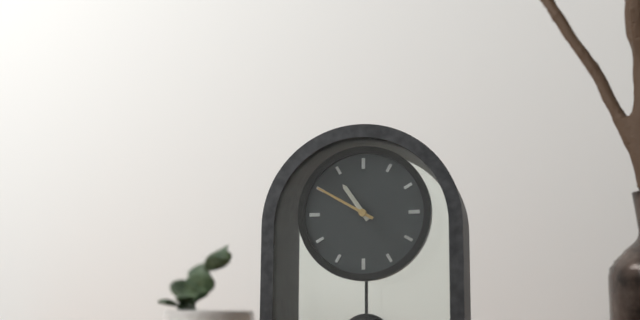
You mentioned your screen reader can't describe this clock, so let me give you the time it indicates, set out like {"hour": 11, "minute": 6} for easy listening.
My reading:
{"hour": 10, "minute": 50}
